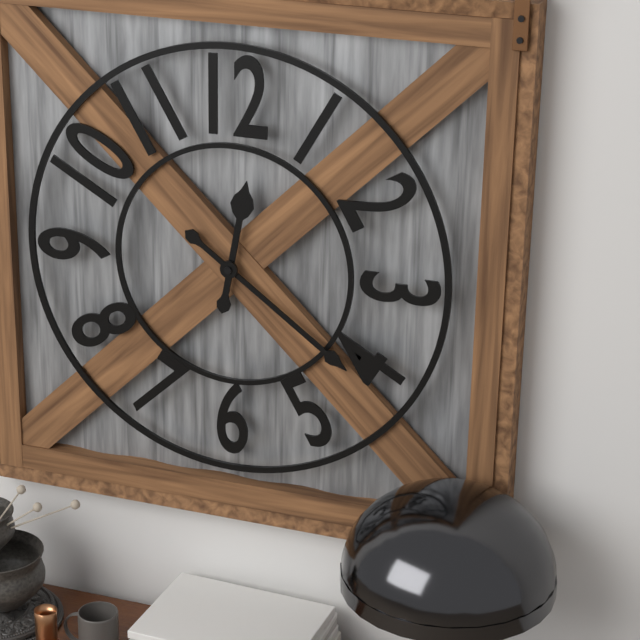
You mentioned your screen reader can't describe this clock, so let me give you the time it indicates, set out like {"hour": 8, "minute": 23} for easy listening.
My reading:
{"hour": 12, "minute": 21}
